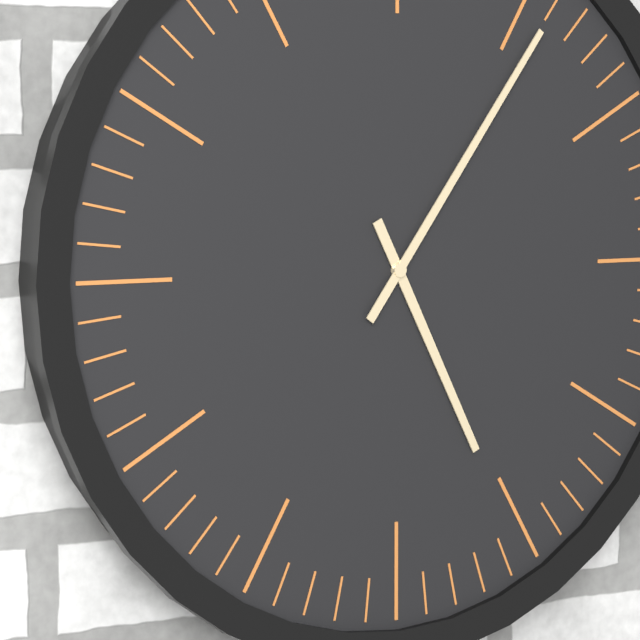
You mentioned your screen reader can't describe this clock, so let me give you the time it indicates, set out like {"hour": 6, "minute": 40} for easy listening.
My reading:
{"hour": 5, "minute": 6}
